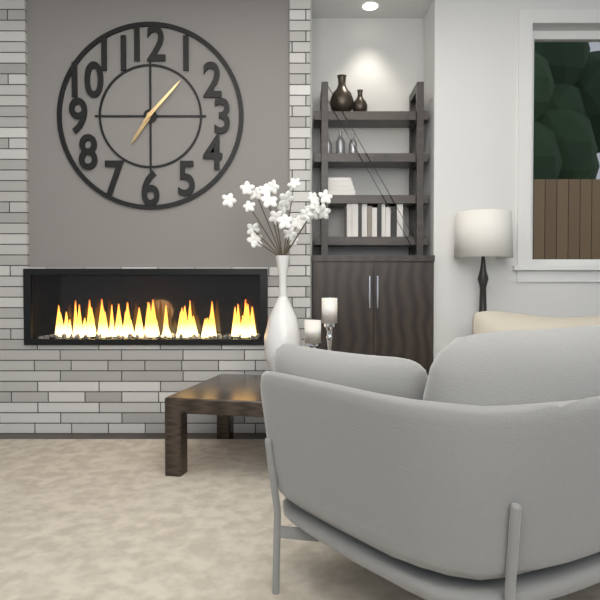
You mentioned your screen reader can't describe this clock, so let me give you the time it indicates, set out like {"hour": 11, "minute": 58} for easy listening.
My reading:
{"hour": 7, "minute": 7}
